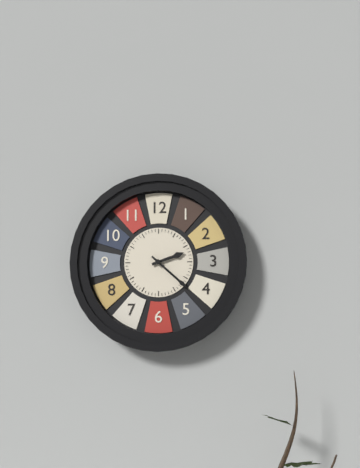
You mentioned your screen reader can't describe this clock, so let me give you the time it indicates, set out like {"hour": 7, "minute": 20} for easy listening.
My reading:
{"hour": 2, "minute": 22}
